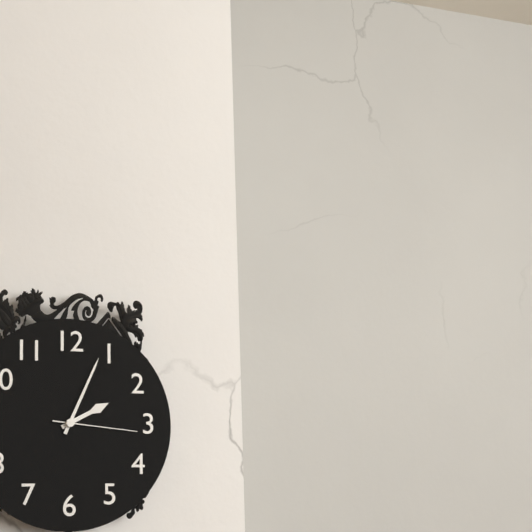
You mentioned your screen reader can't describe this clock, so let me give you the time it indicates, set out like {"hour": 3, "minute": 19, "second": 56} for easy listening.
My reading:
{"hour": 2, "minute": 4, "second": 16}
